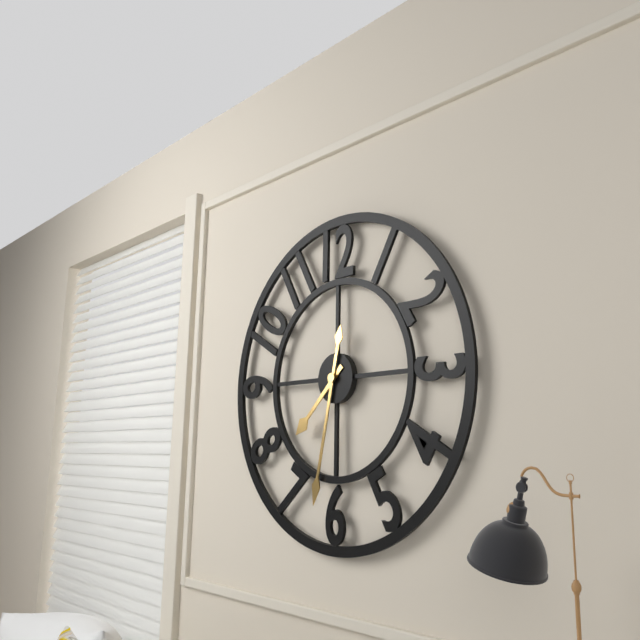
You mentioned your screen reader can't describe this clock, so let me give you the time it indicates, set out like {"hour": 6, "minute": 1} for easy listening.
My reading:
{"hour": 7, "minute": 32}
